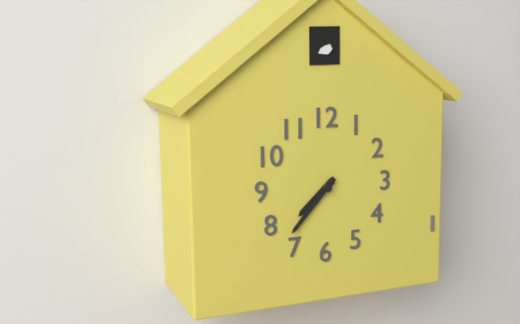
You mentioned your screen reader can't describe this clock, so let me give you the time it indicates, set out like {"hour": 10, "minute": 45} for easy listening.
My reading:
{"hour": 7, "minute": 37}
